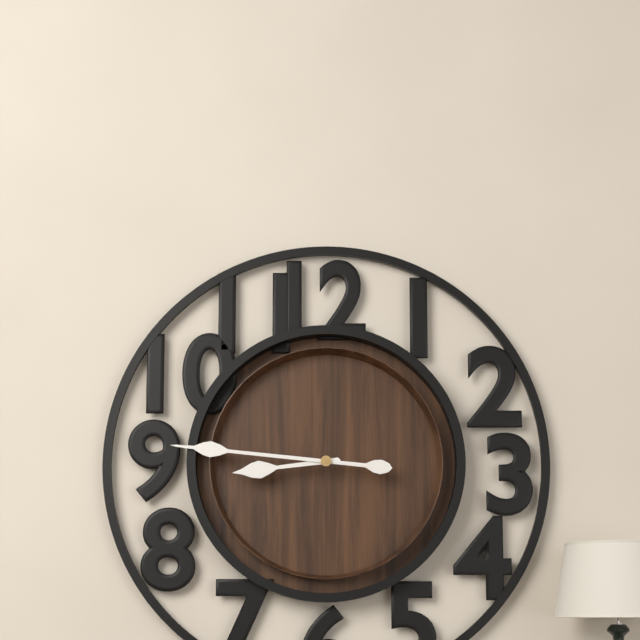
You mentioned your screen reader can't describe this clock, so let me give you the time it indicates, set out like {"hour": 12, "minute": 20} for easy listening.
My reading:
{"hour": 8, "minute": 46}
